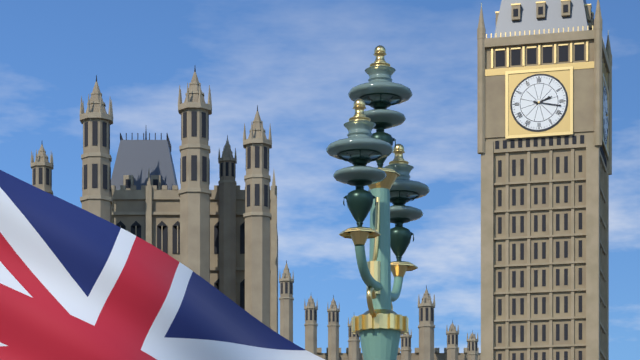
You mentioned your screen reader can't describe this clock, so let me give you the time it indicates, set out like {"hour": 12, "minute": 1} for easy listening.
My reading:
{"hour": 2, "minute": 17}
